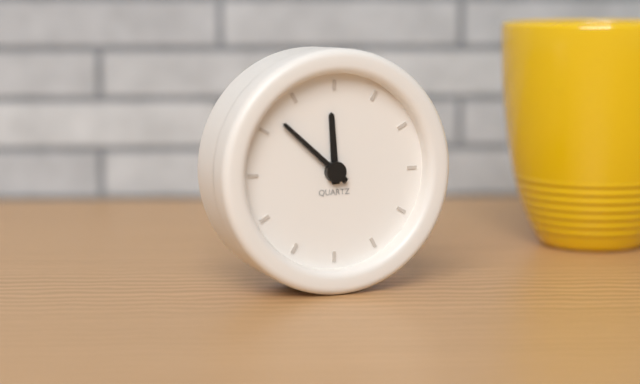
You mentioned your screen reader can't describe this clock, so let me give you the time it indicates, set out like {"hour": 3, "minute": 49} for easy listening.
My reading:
{"hour": 11, "minute": 52}
